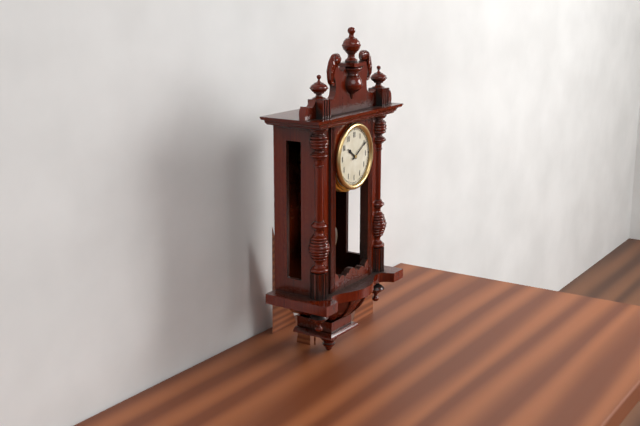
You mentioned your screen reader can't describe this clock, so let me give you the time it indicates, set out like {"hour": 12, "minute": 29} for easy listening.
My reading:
{"hour": 10, "minute": 10}
